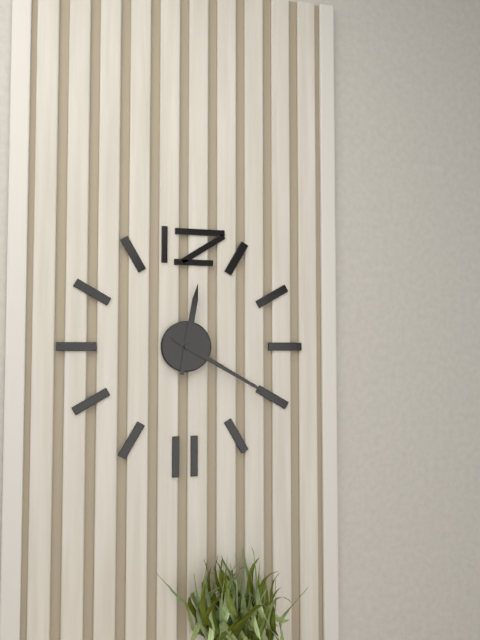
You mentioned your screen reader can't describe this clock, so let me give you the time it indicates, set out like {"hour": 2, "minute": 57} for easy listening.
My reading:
{"hour": 12, "minute": 20}
